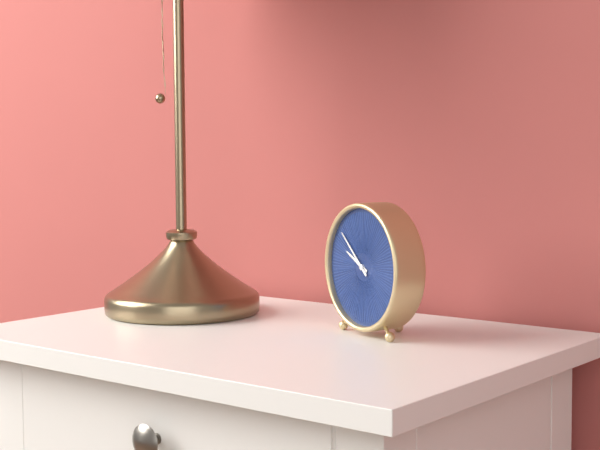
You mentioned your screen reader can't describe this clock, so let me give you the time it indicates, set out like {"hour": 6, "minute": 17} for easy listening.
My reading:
{"hour": 9, "minute": 52}
